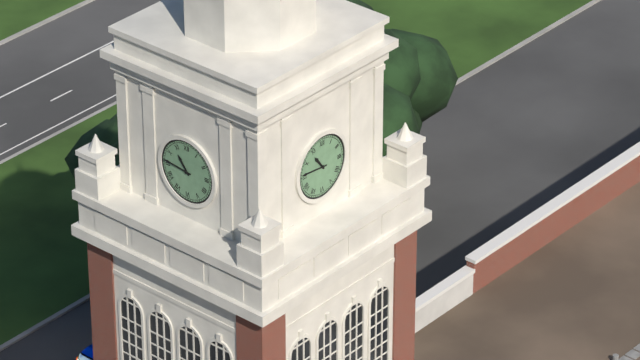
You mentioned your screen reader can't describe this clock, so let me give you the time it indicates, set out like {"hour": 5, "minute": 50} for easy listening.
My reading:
{"hour": 10, "minute": 46}
